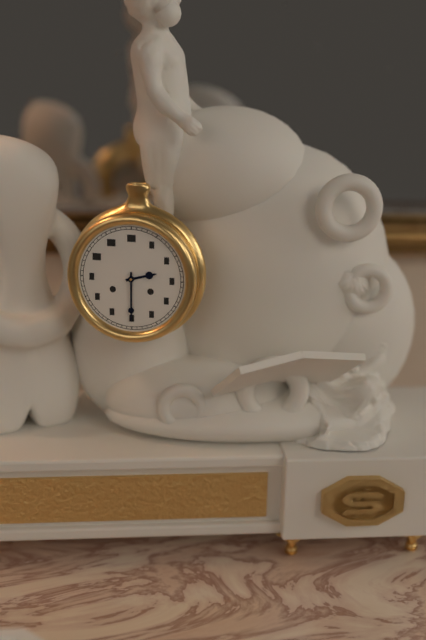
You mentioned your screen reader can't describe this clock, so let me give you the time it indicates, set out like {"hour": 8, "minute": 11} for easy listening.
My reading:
{"hour": 2, "minute": 30}
